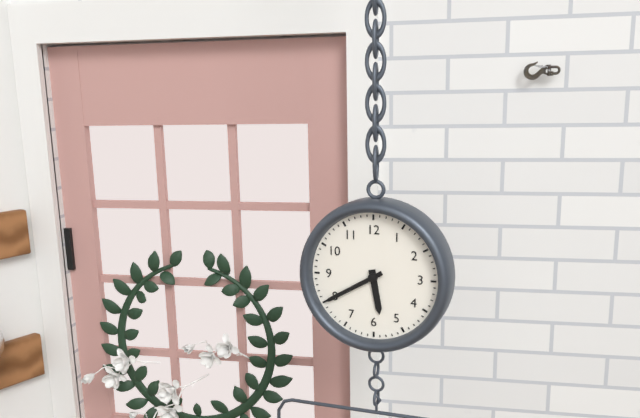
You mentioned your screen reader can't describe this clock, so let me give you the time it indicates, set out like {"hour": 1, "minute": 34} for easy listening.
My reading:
{"hour": 5, "minute": 40}
